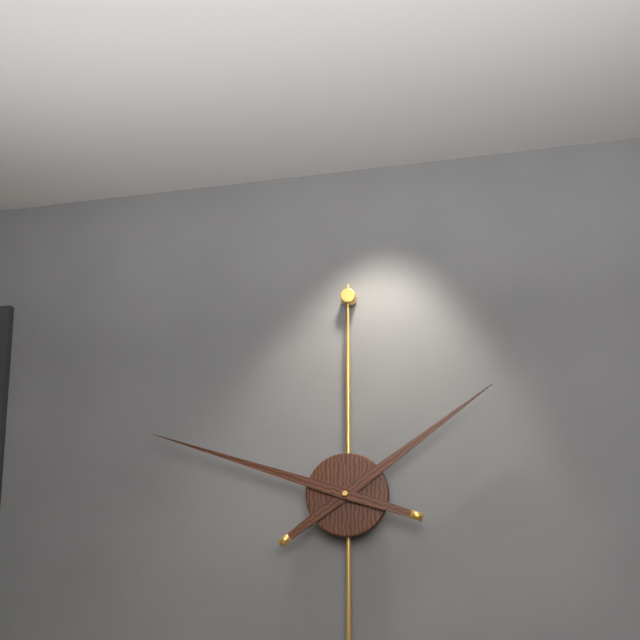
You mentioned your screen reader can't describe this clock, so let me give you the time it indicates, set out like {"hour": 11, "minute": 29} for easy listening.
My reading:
{"hour": 1, "minute": 48}
